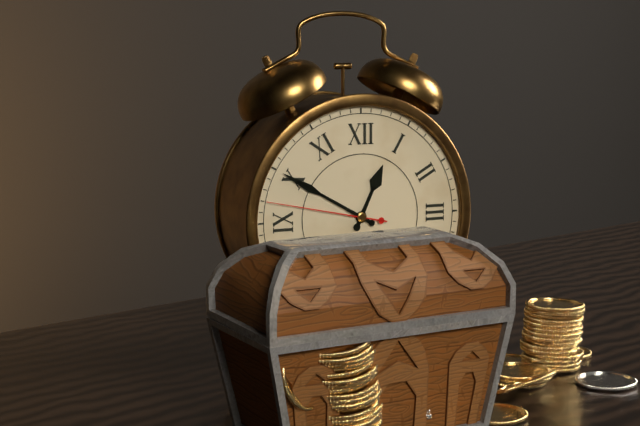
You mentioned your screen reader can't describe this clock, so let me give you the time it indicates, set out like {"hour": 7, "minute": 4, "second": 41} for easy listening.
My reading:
{"hour": 12, "minute": 50, "second": 47}
